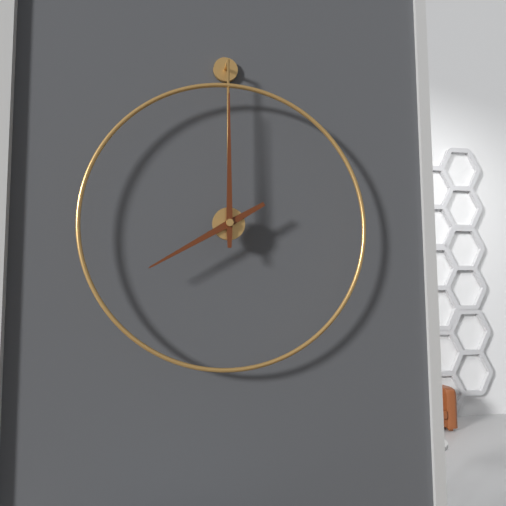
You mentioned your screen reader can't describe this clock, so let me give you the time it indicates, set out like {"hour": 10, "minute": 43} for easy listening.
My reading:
{"hour": 8, "minute": 0}
